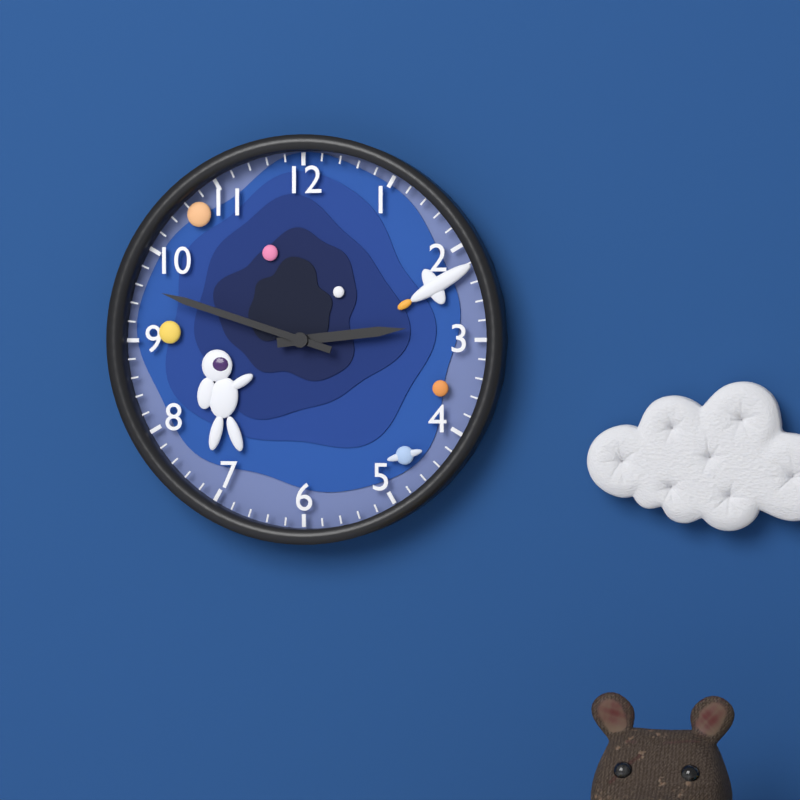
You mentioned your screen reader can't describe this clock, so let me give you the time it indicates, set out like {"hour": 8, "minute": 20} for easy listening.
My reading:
{"hour": 2, "minute": 48}
